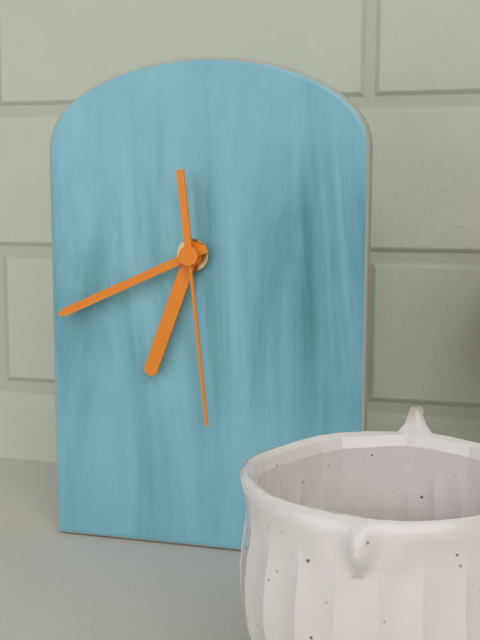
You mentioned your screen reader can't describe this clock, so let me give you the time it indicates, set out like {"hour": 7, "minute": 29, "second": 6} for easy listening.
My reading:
{"hour": 6, "minute": 41, "second": 29}
